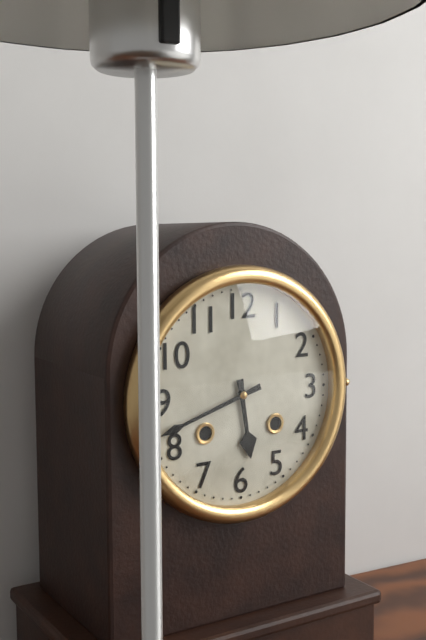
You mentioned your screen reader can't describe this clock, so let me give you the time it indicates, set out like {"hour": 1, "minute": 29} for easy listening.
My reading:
{"hour": 5, "minute": 42}
